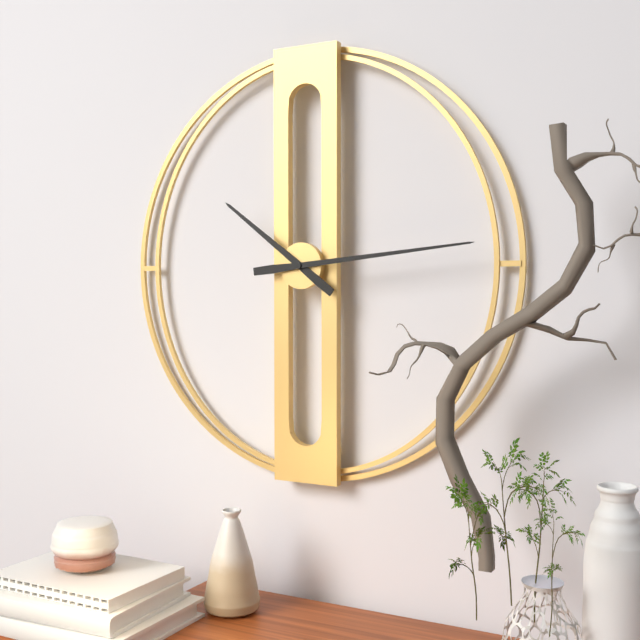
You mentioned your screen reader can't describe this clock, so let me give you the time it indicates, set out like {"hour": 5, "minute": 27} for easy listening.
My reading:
{"hour": 10, "minute": 14}
